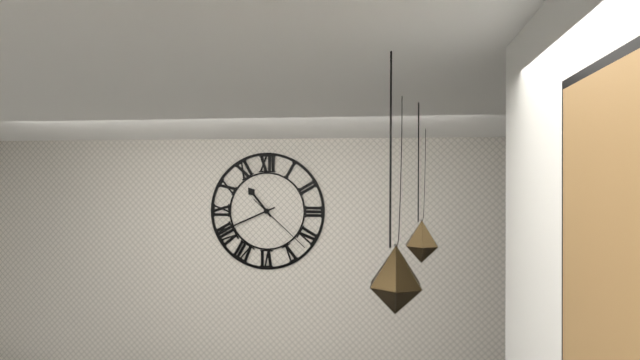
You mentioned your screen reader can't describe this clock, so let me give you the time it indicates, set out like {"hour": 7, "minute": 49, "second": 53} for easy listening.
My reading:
{"hour": 10, "minute": 41, "second": 22}
